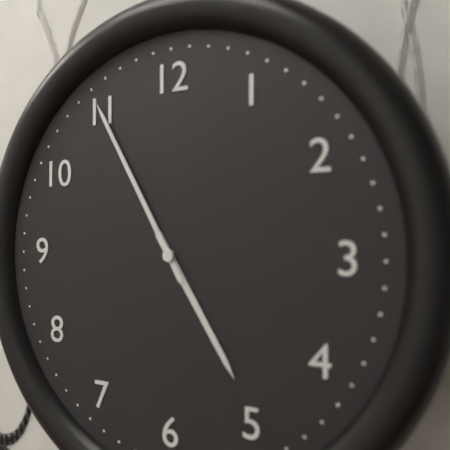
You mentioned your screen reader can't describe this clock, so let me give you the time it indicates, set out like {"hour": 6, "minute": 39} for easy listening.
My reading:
{"hour": 4, "minute": 55}
